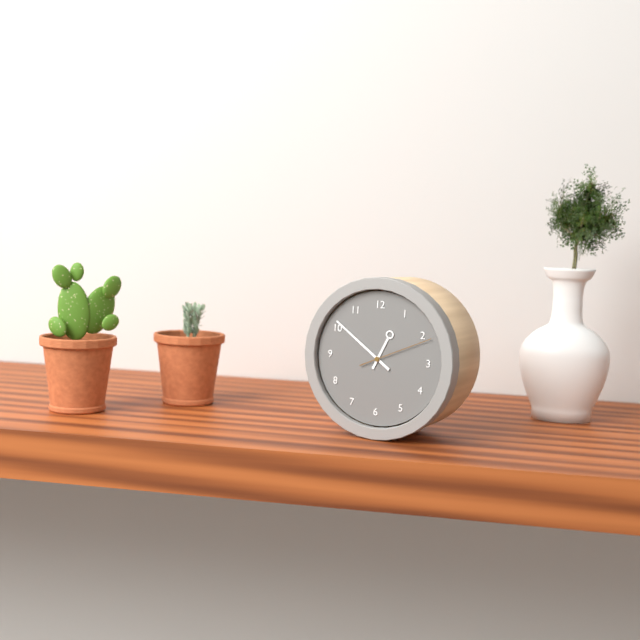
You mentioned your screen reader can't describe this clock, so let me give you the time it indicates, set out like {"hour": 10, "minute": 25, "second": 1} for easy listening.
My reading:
{"hour": 12, "minute": 51, "second": 11}
